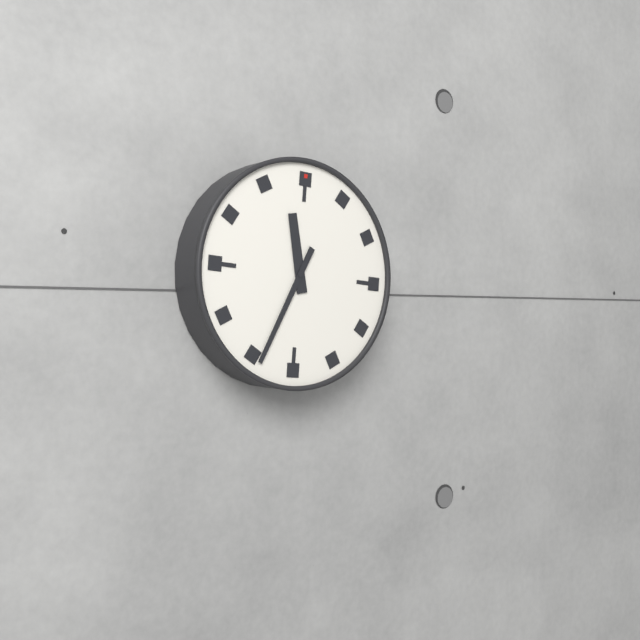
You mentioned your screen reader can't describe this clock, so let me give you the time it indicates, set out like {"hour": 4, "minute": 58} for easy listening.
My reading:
{"hour": 11, "minute": 34}
